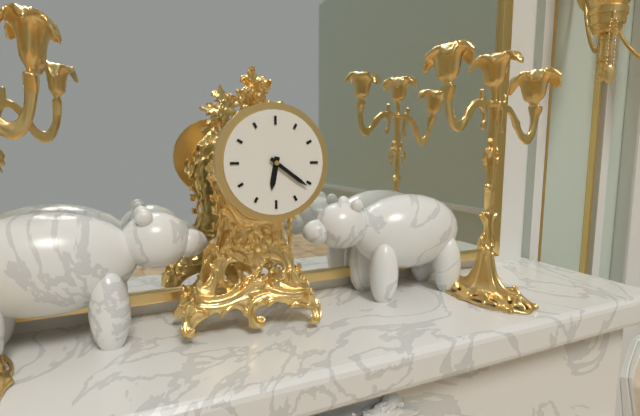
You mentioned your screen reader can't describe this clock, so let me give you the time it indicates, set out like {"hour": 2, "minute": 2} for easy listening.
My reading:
{"hour": 6, "minute": 21}
